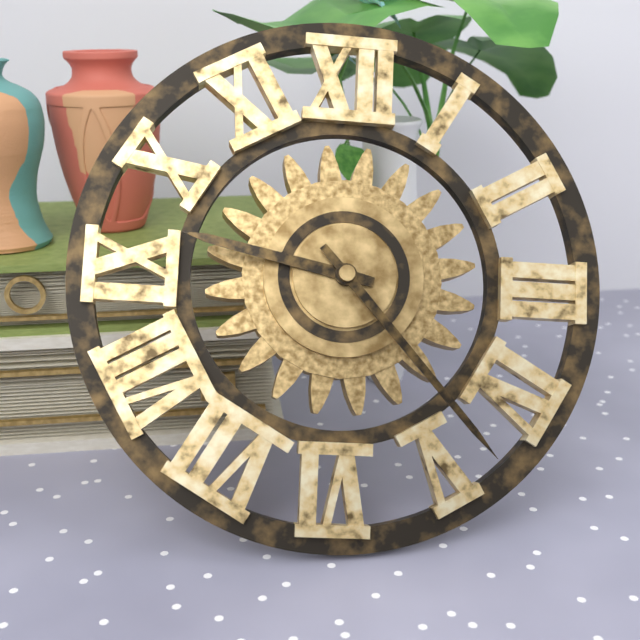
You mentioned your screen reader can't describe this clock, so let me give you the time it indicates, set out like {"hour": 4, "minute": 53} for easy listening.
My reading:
{"hour": 9, "minute": 23}
